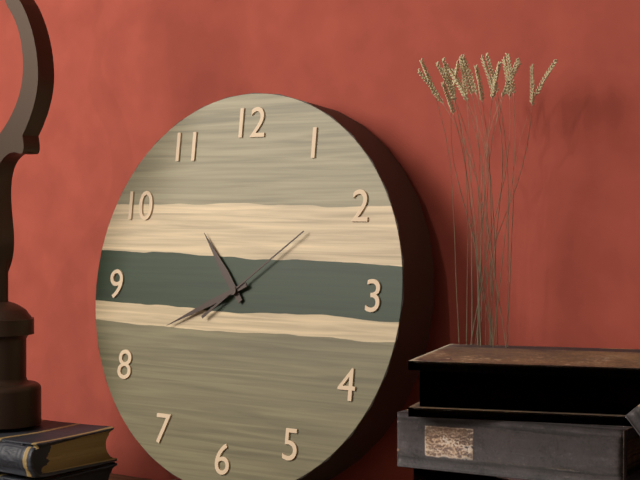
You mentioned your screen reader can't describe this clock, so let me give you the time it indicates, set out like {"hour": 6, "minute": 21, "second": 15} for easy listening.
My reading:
{"hour": 10, "minute": 41, "second": 9}
